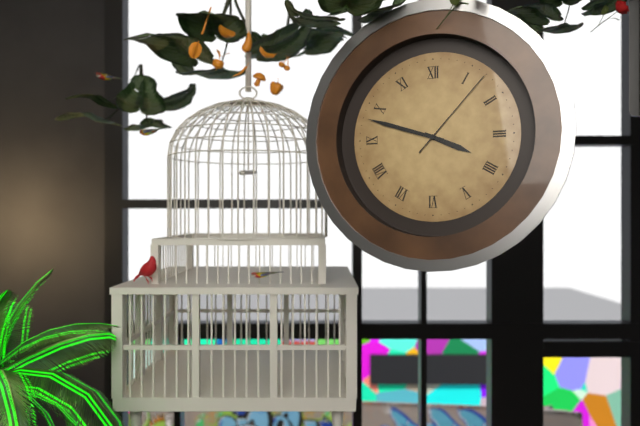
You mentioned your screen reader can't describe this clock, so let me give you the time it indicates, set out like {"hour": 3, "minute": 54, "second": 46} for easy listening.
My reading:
{"hour": 3, "minute": 48, "second": 7}
